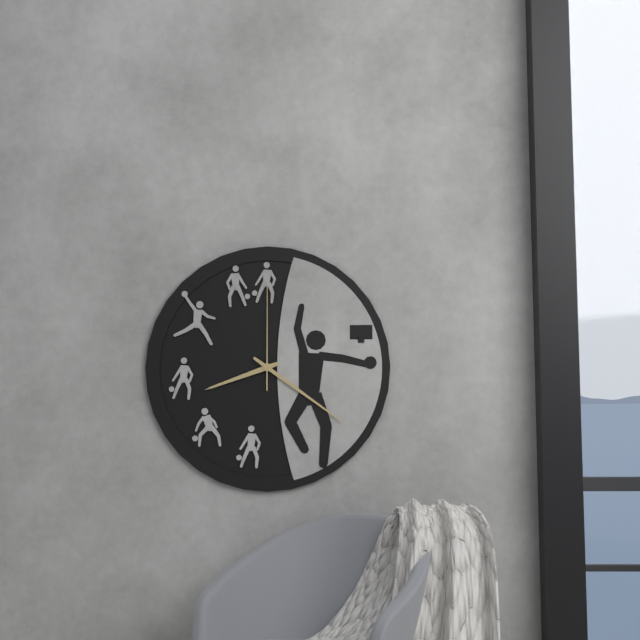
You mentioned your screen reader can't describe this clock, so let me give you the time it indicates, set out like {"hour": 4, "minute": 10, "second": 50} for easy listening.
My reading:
{"hour": 8, "minute": 21, "second": 0}
